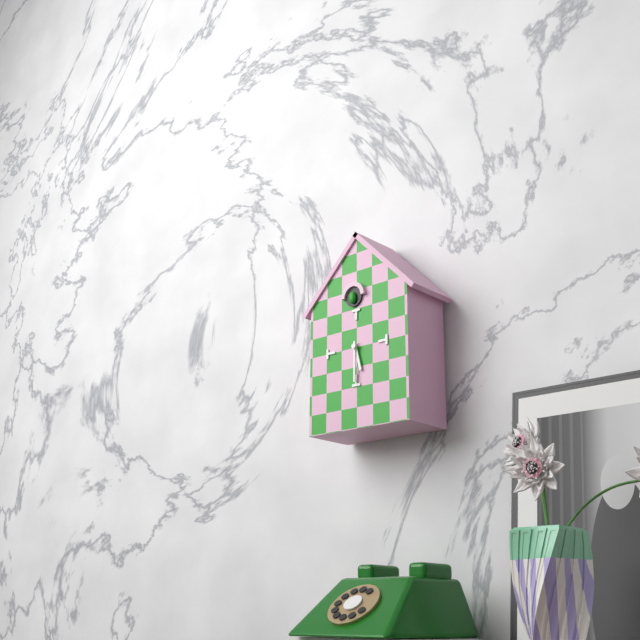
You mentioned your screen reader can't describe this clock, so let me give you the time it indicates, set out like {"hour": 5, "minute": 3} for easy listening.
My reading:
{"hour": 5, "minute": 30}
